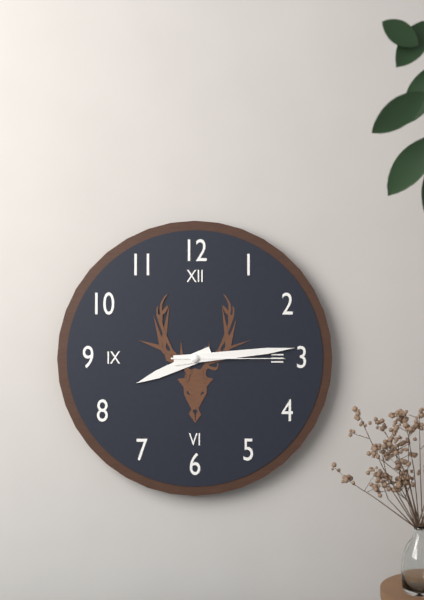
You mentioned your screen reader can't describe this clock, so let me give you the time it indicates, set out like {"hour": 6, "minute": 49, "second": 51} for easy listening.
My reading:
{"hour": 8, "minute": 14, "second": 15}
